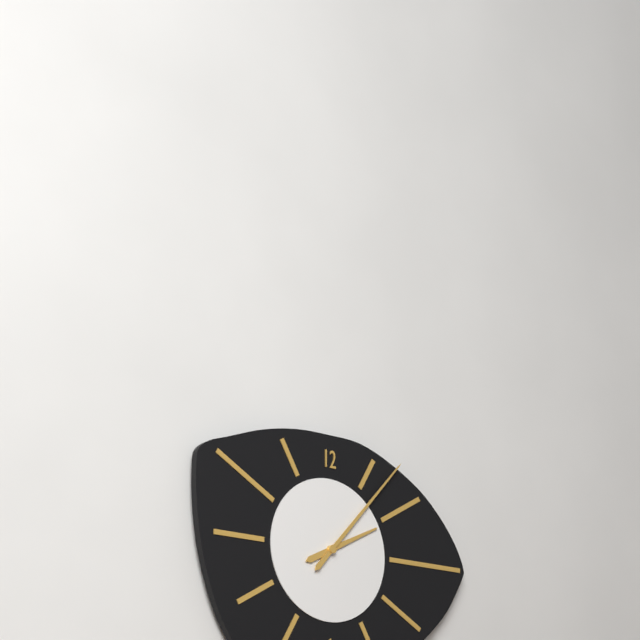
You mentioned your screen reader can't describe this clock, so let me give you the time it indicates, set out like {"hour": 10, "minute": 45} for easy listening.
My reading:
{"hour": 2, "minute": 7}
